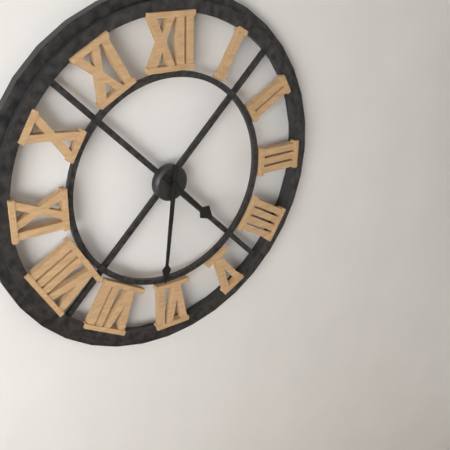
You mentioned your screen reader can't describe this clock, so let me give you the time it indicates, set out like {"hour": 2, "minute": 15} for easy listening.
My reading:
{"hour": 4, "minute": 31}
